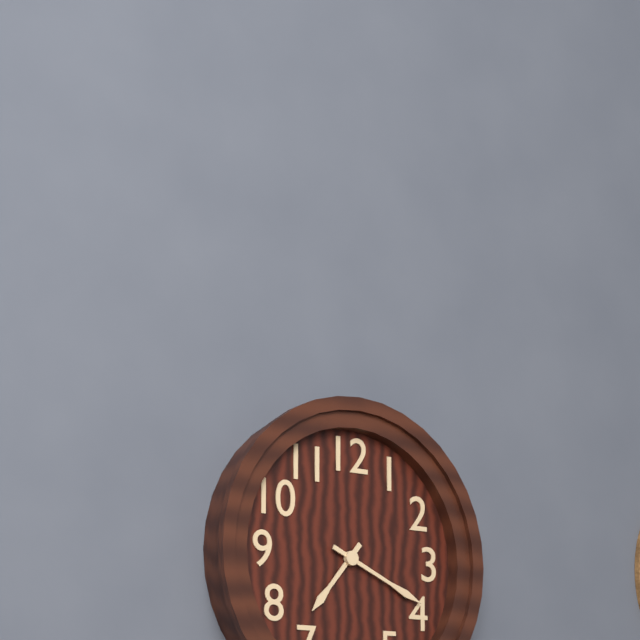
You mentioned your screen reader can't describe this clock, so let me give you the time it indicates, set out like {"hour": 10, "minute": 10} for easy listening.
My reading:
{"hour": 7, "minute": 19}
